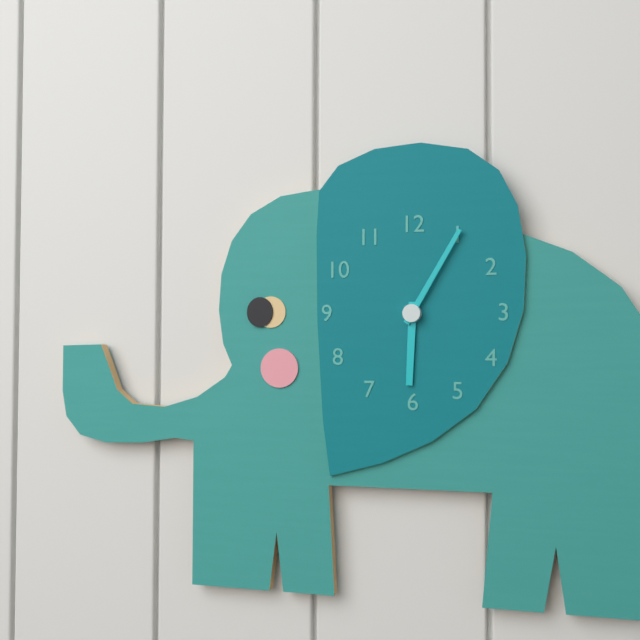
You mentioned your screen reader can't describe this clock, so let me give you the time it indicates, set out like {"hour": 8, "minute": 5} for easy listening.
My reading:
{"hour": 6, "minute": 5}
